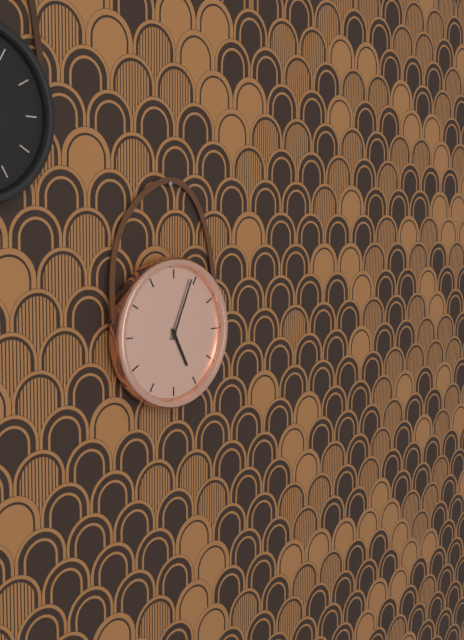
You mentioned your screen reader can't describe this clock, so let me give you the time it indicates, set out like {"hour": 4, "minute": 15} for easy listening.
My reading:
{"hour": 5, "minute": 4}
